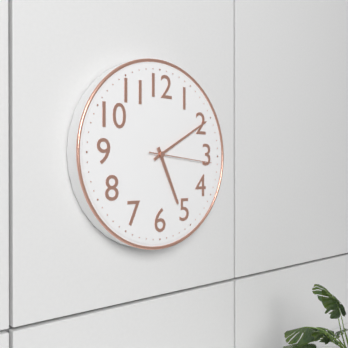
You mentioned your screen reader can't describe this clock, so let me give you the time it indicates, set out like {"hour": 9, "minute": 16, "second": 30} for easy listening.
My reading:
{"hour": 5, "minute": 10, "second": 16}
